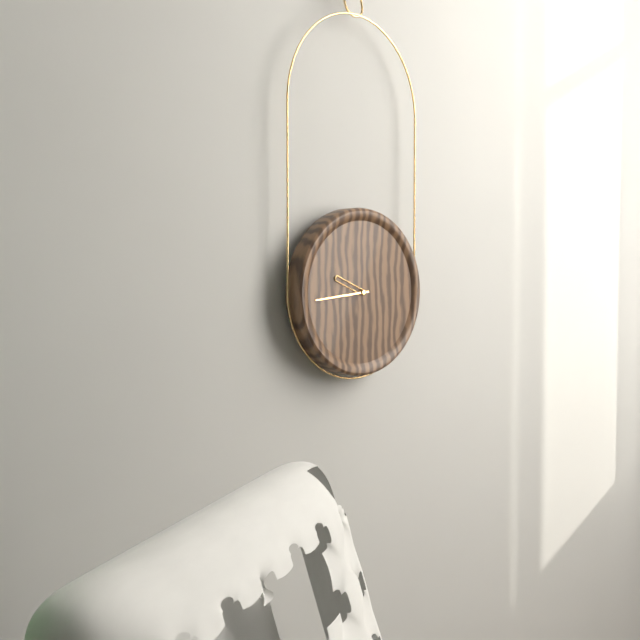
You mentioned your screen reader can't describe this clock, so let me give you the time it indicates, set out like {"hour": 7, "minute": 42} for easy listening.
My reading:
{"hour": 9, "minute": 44}
